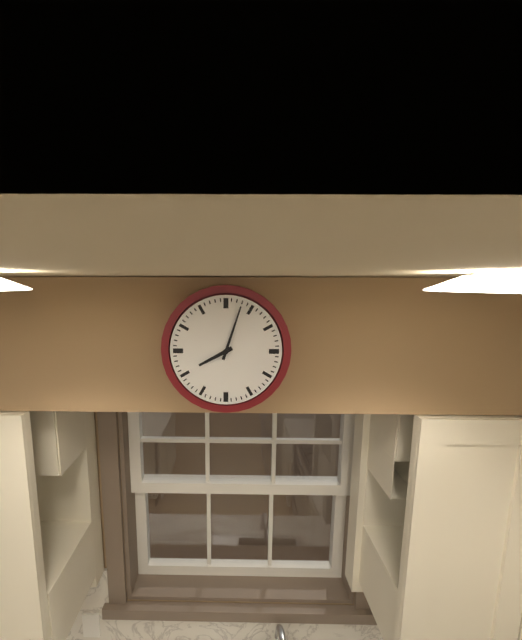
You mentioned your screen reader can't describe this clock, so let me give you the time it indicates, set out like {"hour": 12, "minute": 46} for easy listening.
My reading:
{"hour": 8, "minute": 3}
